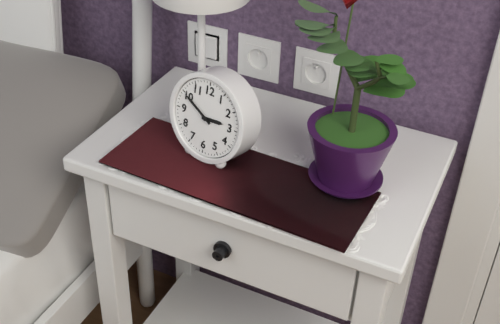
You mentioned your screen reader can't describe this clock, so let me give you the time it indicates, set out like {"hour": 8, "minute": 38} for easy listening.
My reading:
{"hour": 2, "minute": 50}
